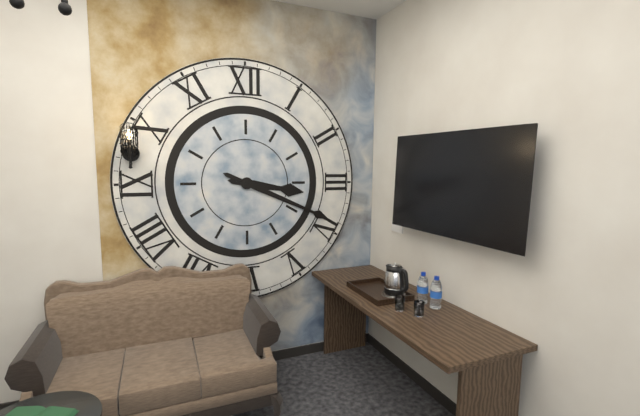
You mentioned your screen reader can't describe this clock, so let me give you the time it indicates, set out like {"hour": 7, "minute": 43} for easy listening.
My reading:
{"hour": 3, "minute": 19}
